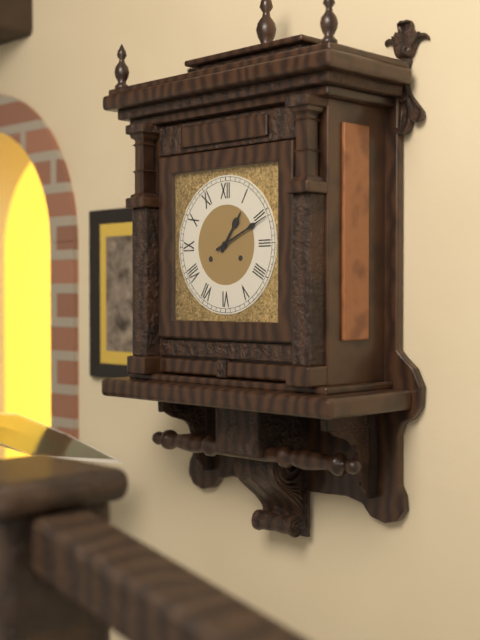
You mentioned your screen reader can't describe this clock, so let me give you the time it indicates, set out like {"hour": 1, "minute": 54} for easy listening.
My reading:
{"hour": 1, "minute": 11}
